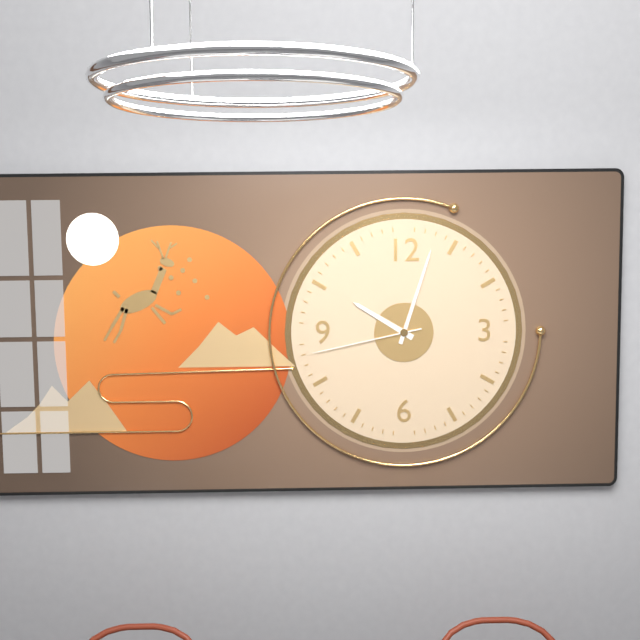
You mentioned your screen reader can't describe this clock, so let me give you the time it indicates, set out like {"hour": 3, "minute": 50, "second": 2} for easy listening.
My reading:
{"hour": 10, "minute": 3, "second": 43}
